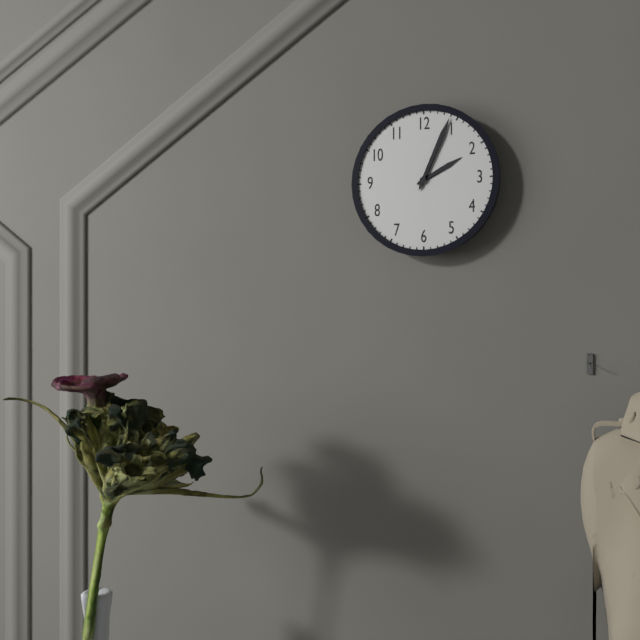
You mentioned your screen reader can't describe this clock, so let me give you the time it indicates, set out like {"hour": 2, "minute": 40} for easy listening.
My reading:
{"hour": 2, "minute": 4}
